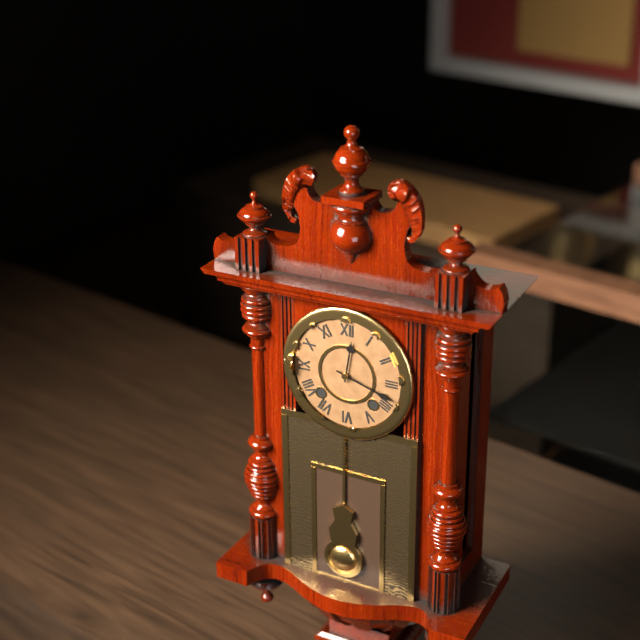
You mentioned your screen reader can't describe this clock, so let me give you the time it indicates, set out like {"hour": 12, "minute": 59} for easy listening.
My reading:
{"hour": 12, "minute": 18}
